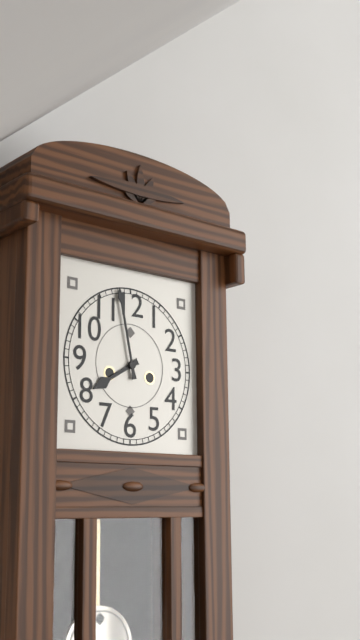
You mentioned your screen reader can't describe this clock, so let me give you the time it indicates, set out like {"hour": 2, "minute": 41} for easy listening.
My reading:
{"hour": 7, "minute": 58}
